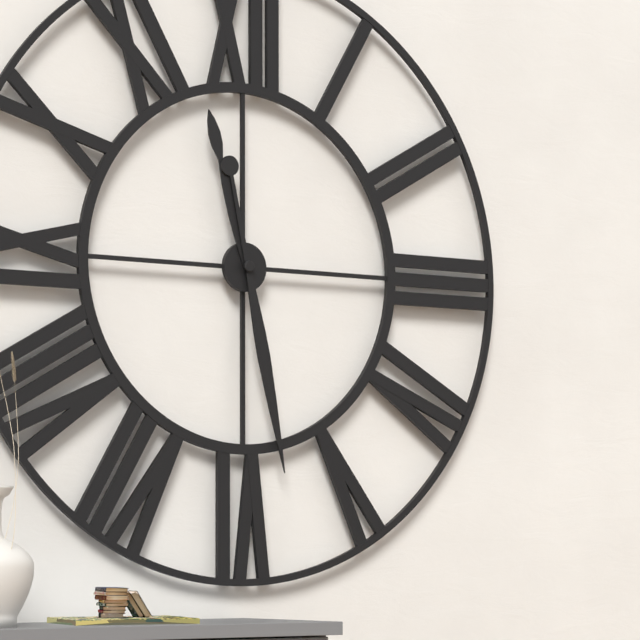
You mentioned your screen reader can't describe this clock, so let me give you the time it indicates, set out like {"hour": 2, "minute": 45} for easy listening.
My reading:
{"hour": 11, "minute": 28}
